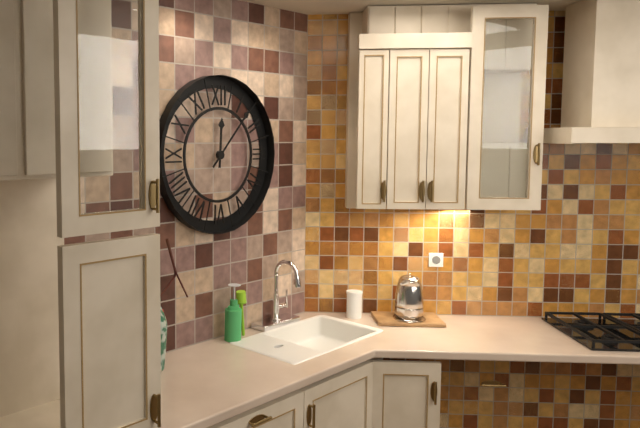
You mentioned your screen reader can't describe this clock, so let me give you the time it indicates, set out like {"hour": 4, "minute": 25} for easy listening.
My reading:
{"hour": 12, "minute": 7}
